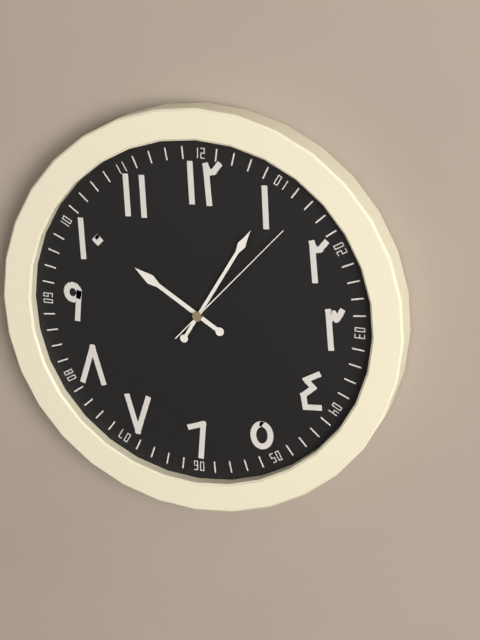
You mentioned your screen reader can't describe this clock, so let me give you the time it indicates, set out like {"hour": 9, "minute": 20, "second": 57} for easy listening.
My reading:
{"hour": 10, "minute": 5, "second": 7}
